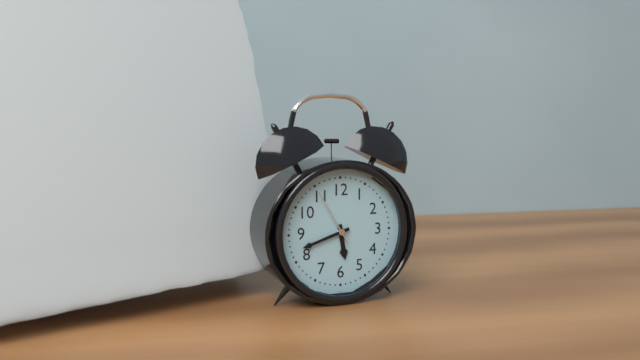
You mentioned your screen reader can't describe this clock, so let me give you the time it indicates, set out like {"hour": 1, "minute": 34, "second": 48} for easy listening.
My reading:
{"hour": 5, "minute": 42, "second": 55}
